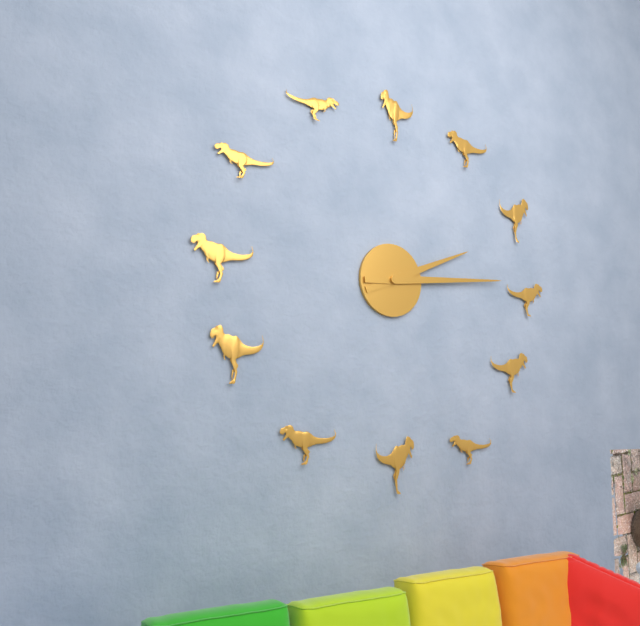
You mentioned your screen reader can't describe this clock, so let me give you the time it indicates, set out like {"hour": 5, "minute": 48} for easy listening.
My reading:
{"hour": 2, "minute": 14}
